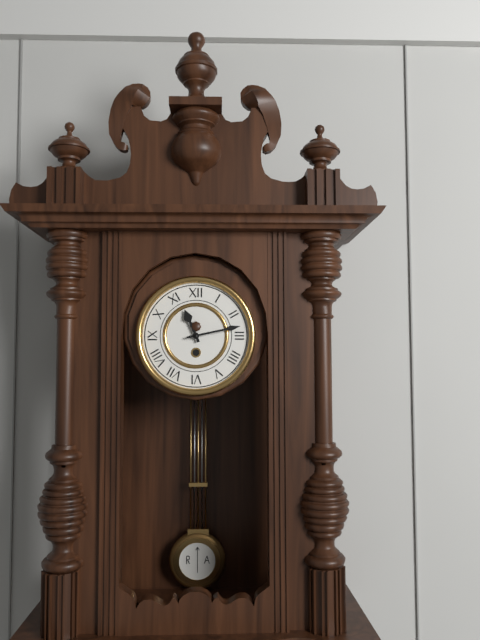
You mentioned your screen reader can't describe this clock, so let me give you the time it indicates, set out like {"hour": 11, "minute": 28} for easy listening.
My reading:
{"hour": 11, "minute": 13}
